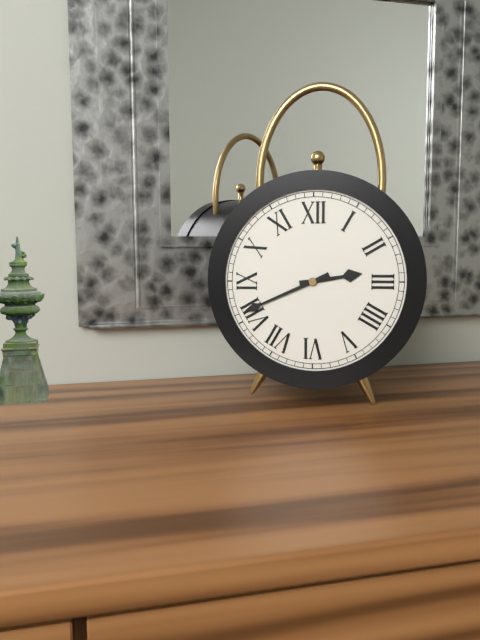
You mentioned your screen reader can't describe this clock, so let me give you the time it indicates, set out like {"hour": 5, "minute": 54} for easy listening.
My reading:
{"hour": 2, "minute": 41}
